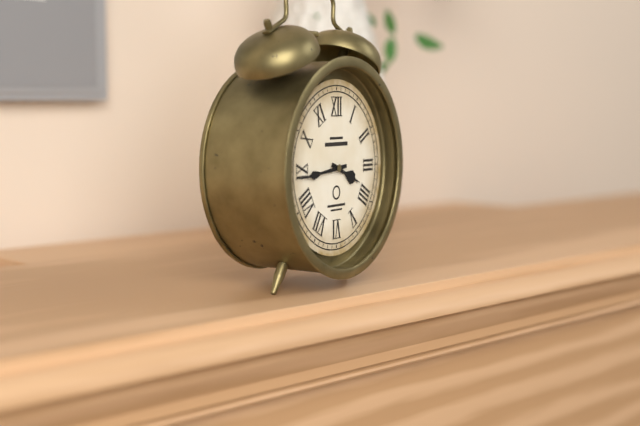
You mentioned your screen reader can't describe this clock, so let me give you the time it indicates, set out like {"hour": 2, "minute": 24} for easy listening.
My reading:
{"hour": 3, "minute": 44}
